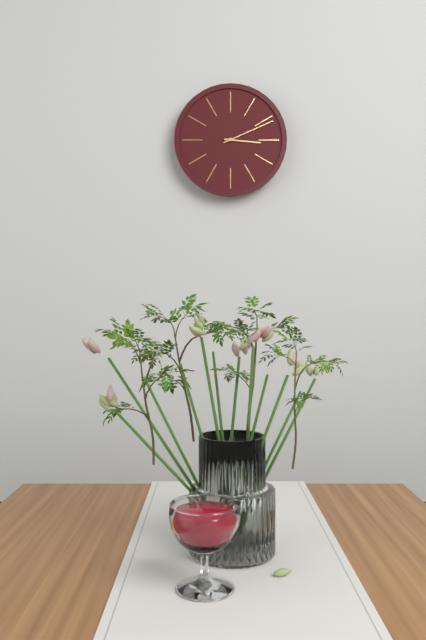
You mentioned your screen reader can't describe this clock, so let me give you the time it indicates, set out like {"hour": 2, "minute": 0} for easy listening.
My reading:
{"hour": 3, "minute": 11}
